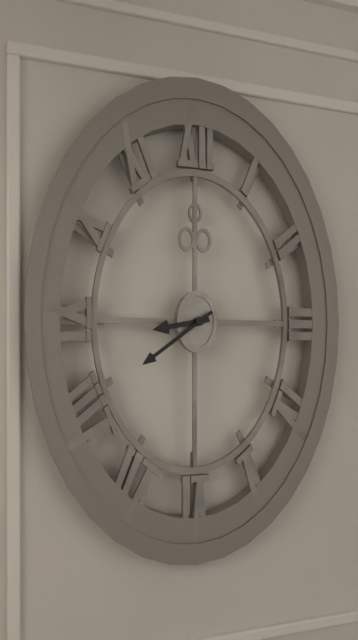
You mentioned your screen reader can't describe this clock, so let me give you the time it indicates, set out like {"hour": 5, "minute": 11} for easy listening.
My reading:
{"hour": 8, "minute": 39}
